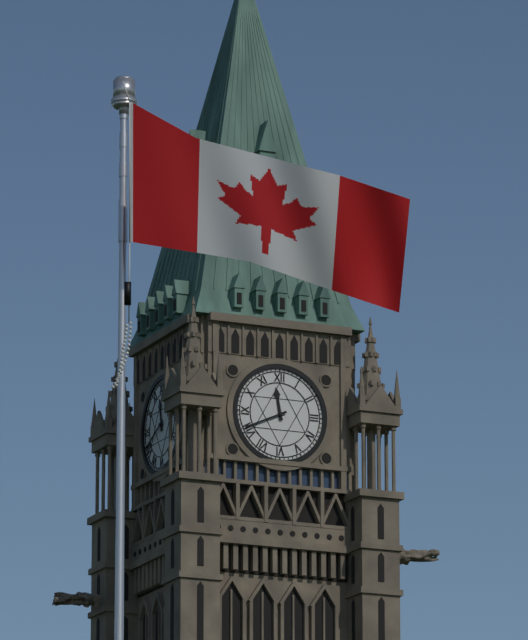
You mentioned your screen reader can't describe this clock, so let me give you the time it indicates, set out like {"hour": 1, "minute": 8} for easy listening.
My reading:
{"hour": 11, "minute": 41}
